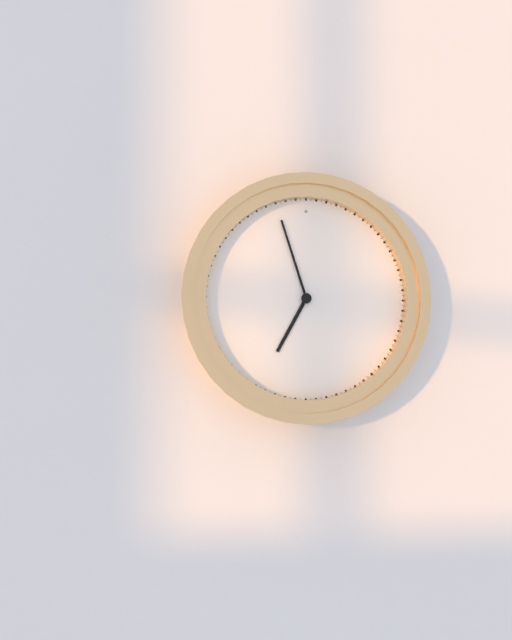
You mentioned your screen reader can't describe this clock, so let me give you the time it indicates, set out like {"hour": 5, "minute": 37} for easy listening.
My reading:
{"hour": 6, "minute": 57}
